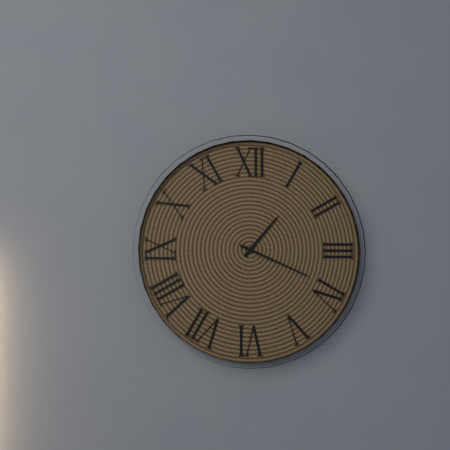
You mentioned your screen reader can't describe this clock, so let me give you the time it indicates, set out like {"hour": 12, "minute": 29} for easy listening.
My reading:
{"hour": 1, "minute": 19}
